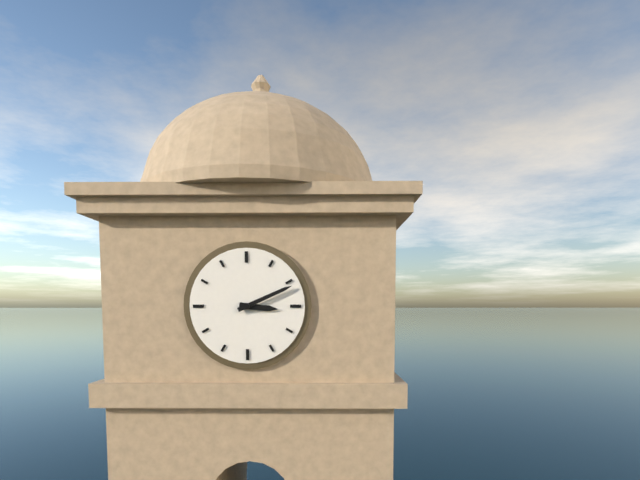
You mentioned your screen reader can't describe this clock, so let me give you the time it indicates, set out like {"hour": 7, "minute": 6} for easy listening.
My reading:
{"hour": 3, "minute": 11}
